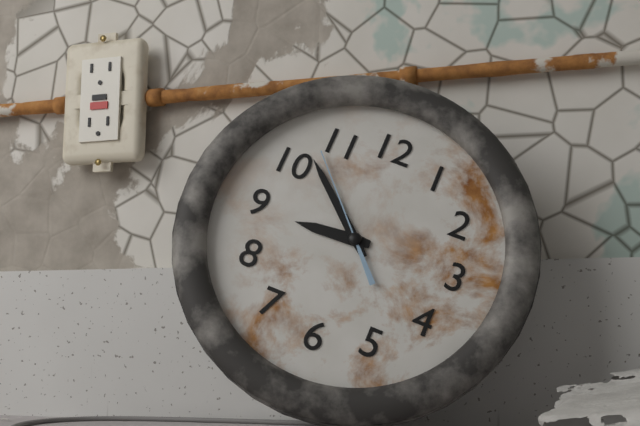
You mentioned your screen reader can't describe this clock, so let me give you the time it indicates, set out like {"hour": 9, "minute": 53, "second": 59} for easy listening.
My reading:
{"hour": 8, "minute": 52, "second": 53}
